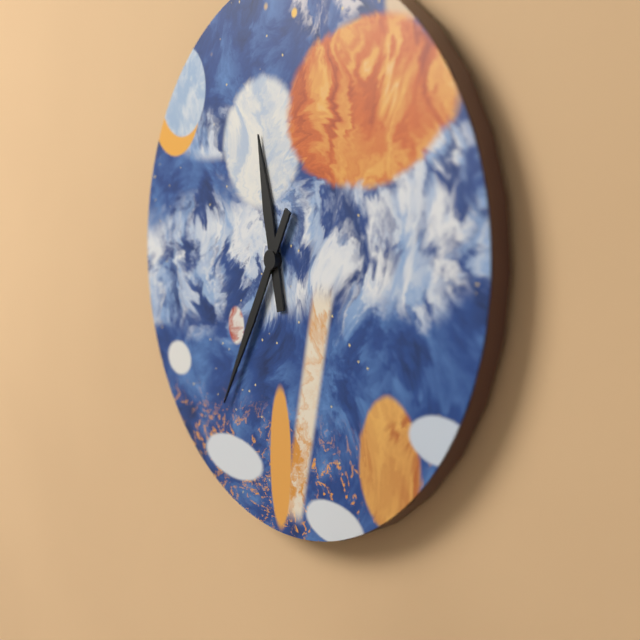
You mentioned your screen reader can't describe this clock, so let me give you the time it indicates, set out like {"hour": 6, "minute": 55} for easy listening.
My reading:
{"hour": 11, "minute": 35}
